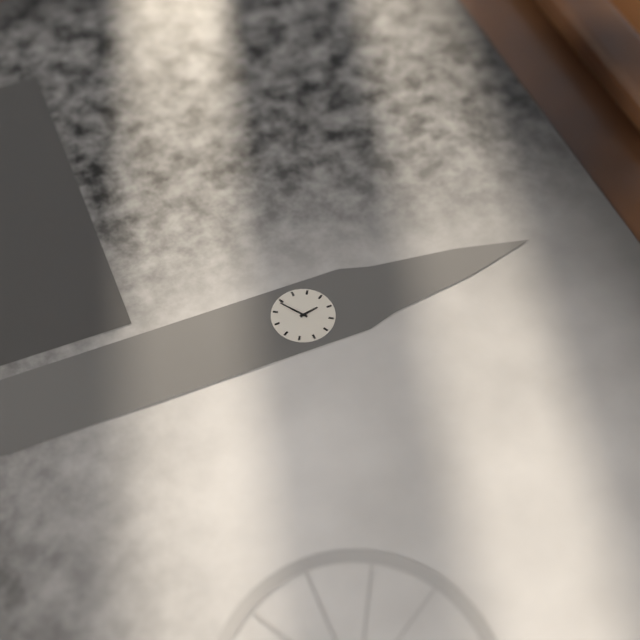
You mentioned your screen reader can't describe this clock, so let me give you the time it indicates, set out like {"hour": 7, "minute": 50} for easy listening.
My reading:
{"hour": 11, "minute": 39}
